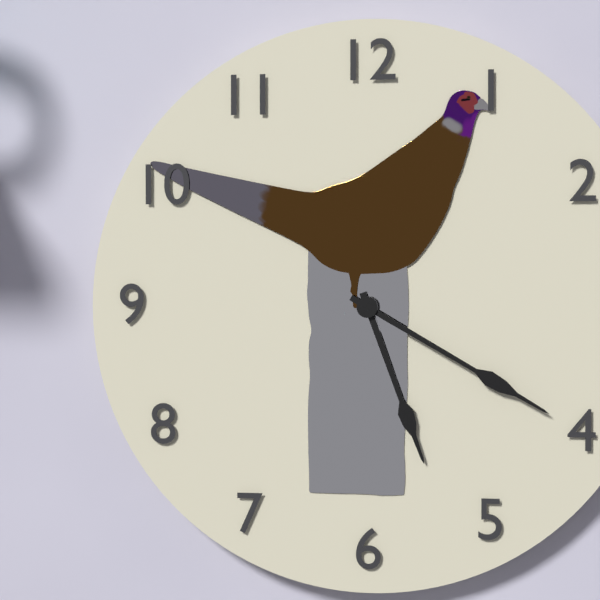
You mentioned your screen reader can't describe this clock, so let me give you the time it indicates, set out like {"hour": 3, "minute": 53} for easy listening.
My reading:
{"hour": 5, "minute": 20}
